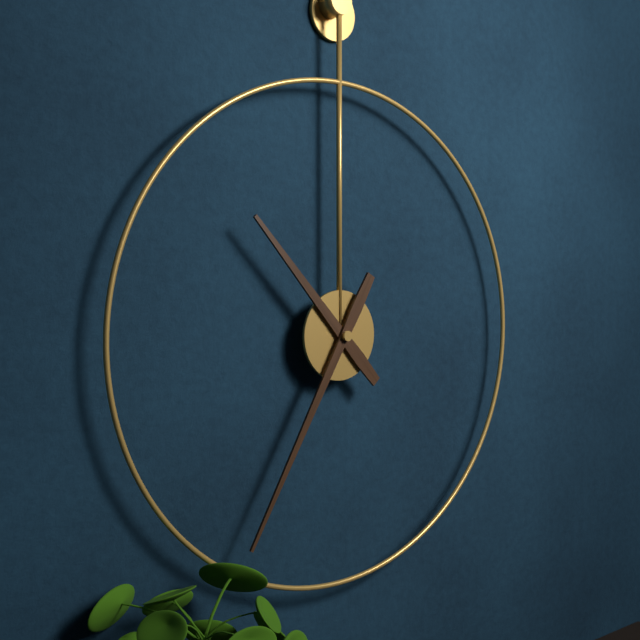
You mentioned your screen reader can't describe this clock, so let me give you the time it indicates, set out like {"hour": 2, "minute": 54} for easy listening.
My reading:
{"hour": 10, "minute": 35}
